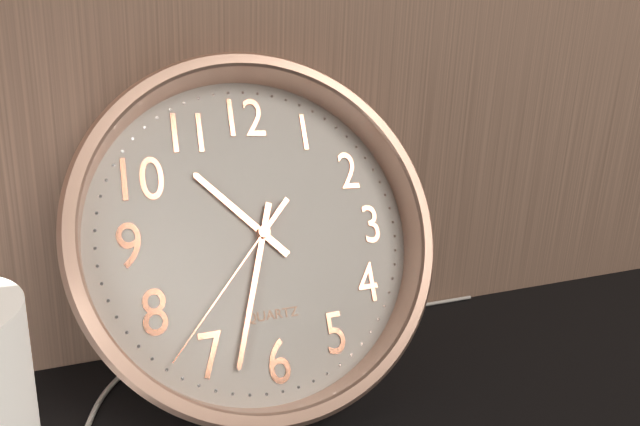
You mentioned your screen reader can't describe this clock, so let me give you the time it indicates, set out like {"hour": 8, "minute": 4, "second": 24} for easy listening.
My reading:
{"hour": 10, "minute": 33, "second": 37}
